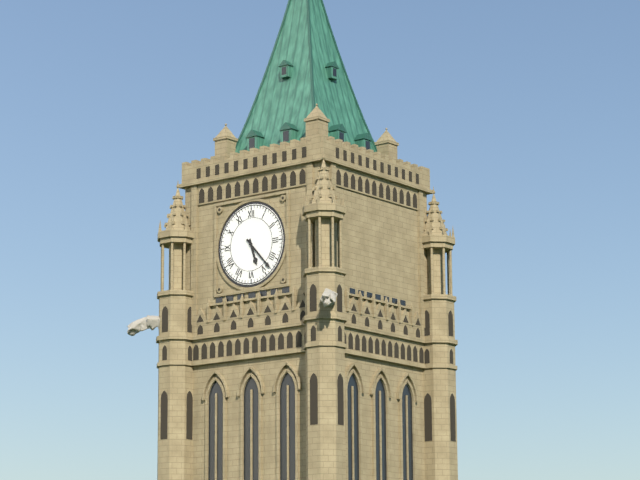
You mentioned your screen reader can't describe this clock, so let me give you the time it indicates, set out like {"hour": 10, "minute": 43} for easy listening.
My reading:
{"hour": 5, "minute": 23}
